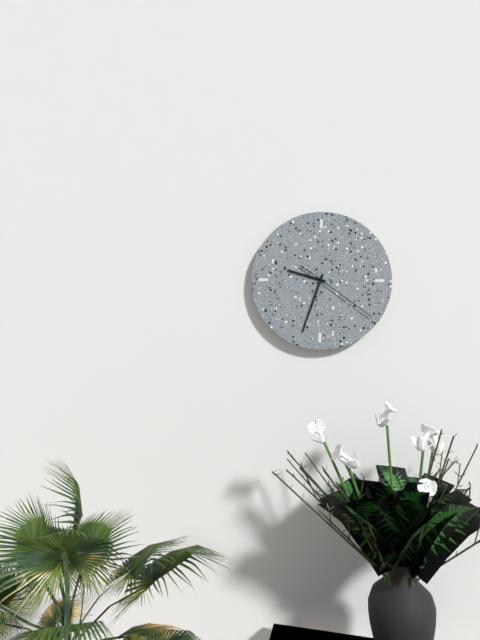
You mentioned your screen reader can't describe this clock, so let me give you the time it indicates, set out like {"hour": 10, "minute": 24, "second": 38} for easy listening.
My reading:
{"hour": 9, "minute": 33, "second": 21}
